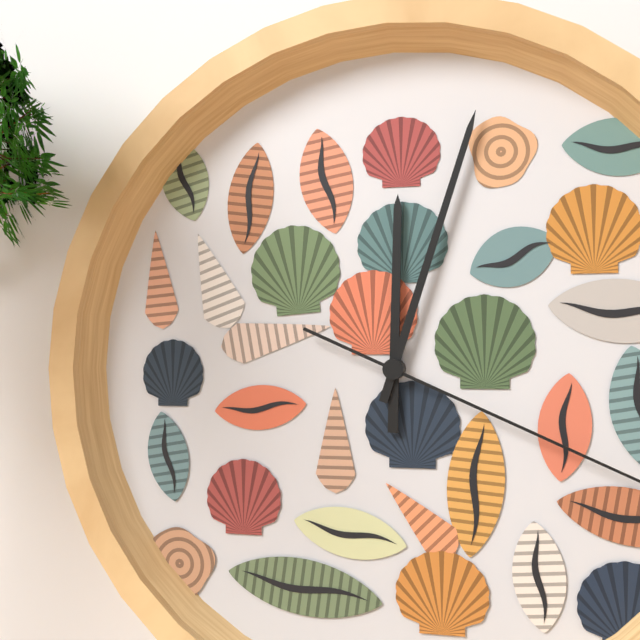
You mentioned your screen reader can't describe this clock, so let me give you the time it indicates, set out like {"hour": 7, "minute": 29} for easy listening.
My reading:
{"hour": 12, "minute": 3}
